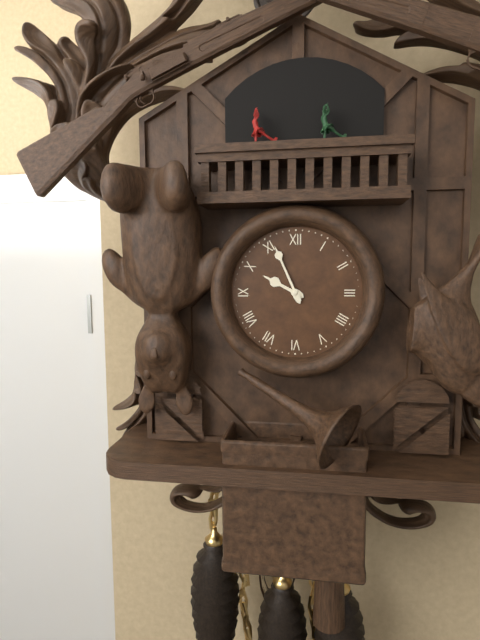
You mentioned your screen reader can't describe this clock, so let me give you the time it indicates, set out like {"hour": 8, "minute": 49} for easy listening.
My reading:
{"hour": 9, "minute": 56}
